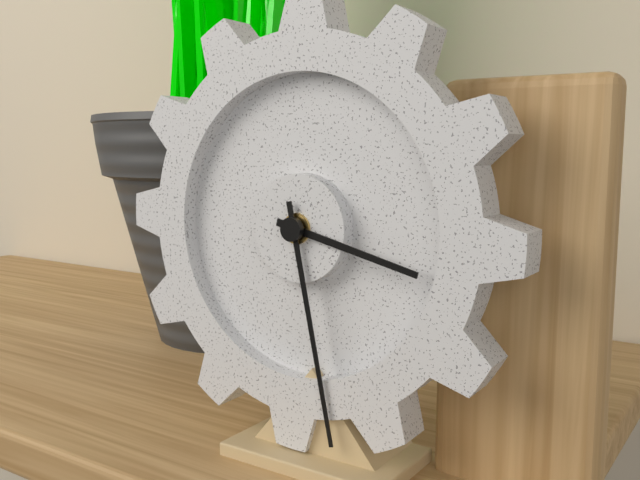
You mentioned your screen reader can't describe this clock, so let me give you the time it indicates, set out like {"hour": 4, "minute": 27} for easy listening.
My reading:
{"hour": 3, "minute": 28}
